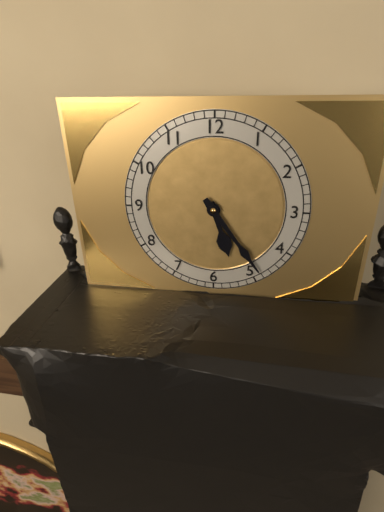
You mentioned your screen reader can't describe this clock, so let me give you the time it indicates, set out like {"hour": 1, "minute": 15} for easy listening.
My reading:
{"hour": 5, "minute": 24}
